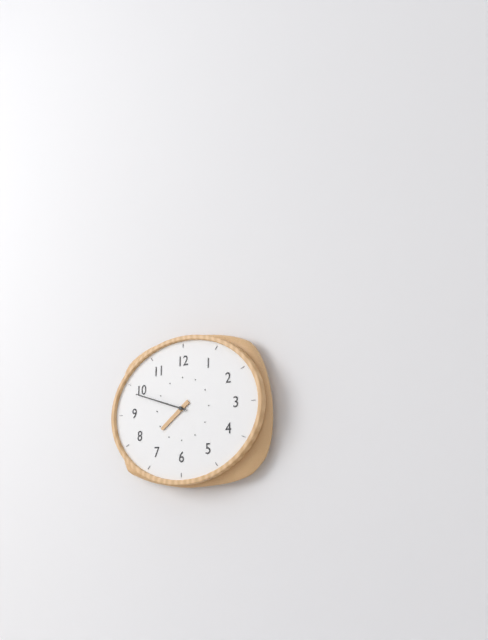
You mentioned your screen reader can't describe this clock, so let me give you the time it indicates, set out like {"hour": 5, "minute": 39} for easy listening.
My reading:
{"hour": 7, "minute": 48}
